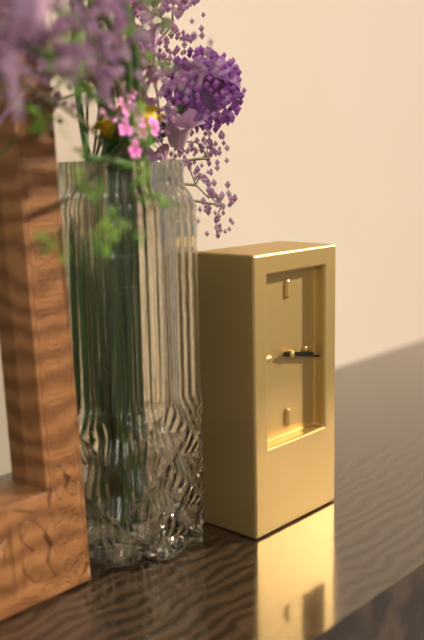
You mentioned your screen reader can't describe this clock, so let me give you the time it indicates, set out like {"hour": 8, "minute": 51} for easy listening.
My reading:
{"hour": 3, "minute": 17}
